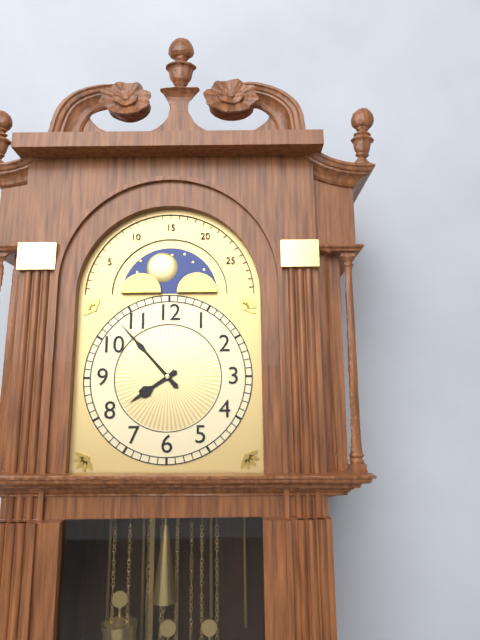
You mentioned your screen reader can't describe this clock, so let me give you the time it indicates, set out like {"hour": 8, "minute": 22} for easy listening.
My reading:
{"hour": 7, "minute": 53}
